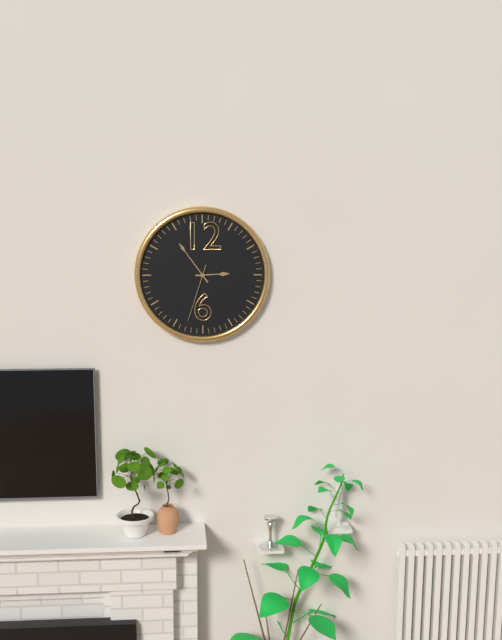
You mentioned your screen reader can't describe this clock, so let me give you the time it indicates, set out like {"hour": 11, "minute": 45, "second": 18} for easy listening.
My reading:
{"hour": 2, "minute": 54, "second": 33}
